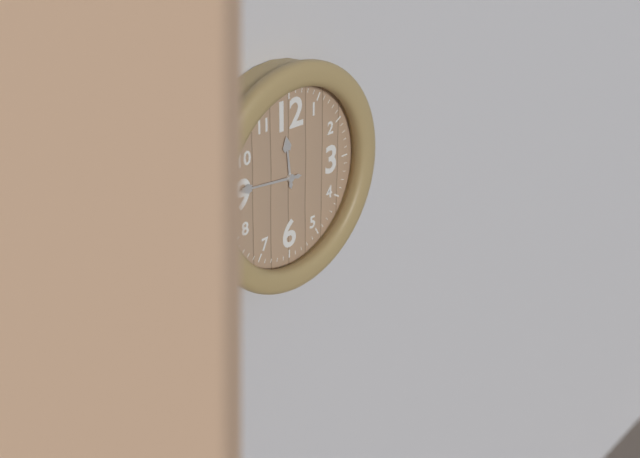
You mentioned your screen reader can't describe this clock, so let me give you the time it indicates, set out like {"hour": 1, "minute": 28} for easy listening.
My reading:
{"hour": 11, "minute": 46}
